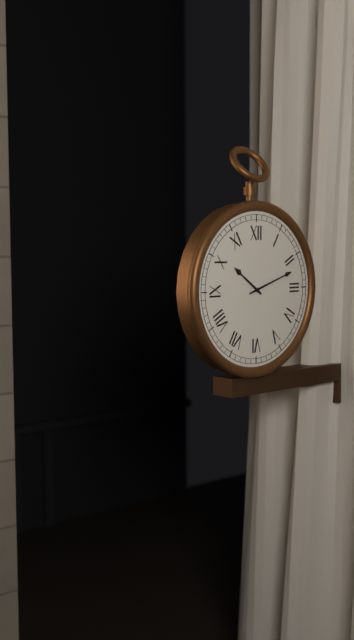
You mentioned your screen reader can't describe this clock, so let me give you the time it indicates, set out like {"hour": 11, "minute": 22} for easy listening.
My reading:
{"hour": 10, "minute": 12}
